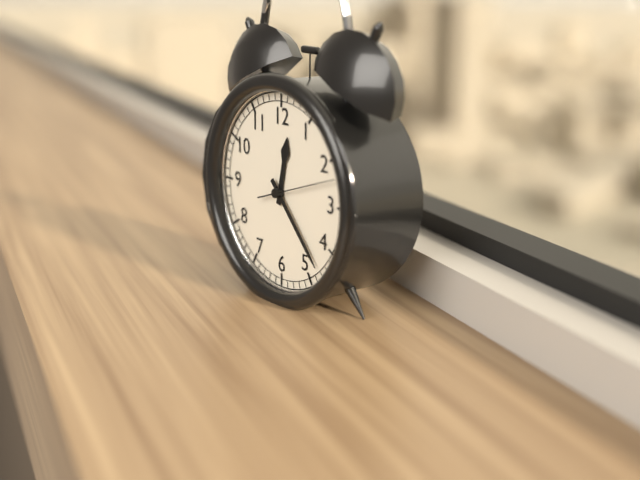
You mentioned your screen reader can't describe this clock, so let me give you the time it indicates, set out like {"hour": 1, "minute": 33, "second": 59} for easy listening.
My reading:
{"hour": 12, "minute": 23, "second": 12}
